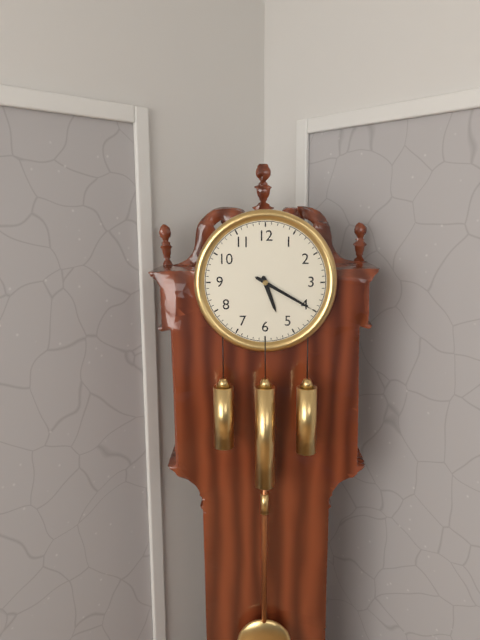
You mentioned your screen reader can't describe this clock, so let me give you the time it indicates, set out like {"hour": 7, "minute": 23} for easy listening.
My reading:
{"hour": 5, "minute": 20}
